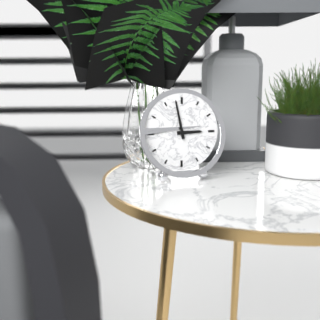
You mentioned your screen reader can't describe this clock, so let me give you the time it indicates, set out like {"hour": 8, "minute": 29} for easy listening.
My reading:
{"hour": 2, "minute": 58}
